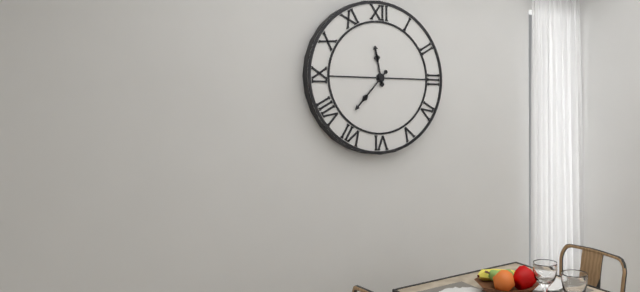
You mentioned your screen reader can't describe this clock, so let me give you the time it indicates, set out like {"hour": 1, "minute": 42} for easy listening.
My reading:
{"hour": 11, "minute": 37}
